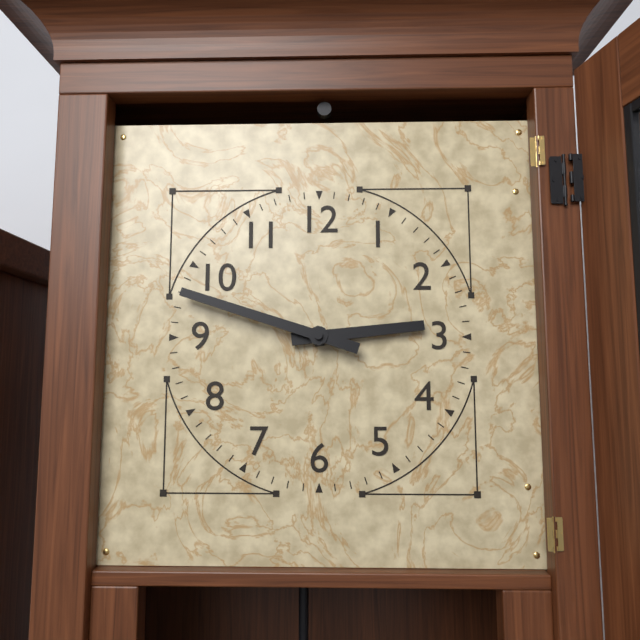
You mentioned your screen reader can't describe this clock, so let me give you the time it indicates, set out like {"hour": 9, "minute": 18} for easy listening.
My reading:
{"hour": 2, "minute": 48}
